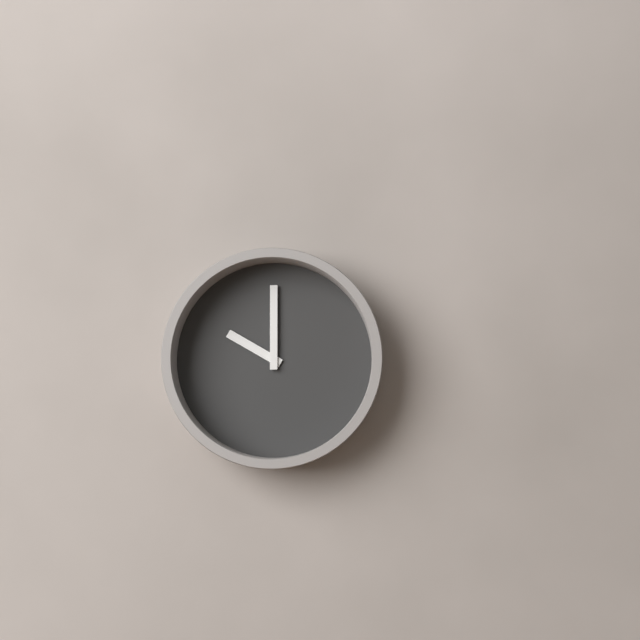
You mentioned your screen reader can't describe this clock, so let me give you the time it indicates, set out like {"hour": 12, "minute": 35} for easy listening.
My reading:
{"hour": 10, "minute": 0}
